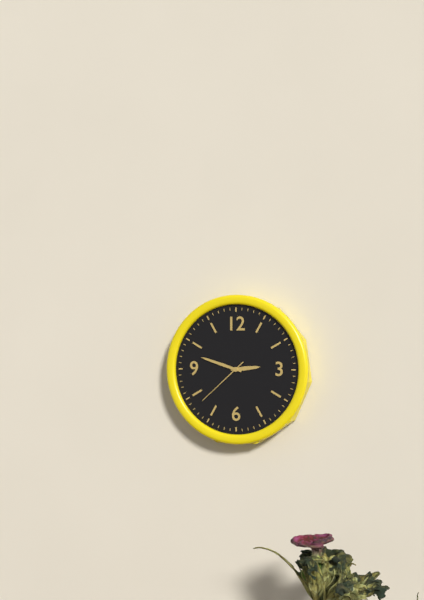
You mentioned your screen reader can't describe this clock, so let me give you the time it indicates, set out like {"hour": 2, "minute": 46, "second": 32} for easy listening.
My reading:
{"hour": 2, "minute": 48, "second": 38}
